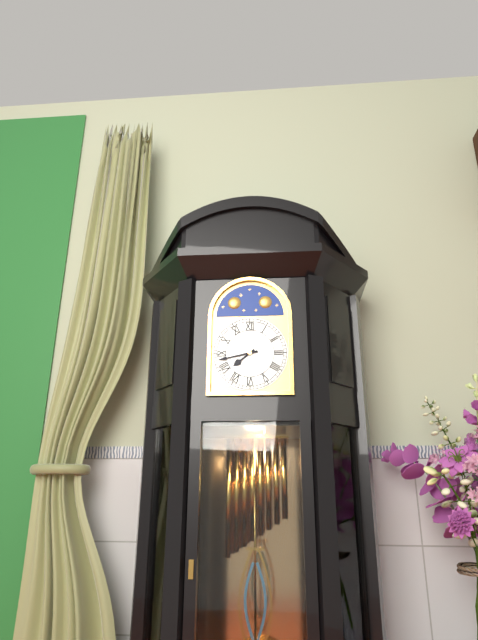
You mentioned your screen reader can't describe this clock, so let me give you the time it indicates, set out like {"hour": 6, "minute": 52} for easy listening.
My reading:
{"hour": 7, "minute": 43}
